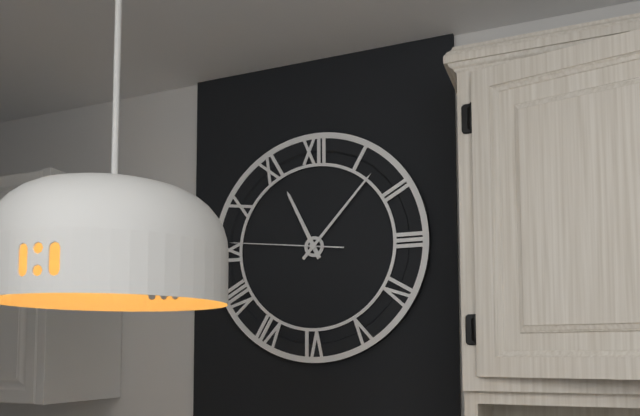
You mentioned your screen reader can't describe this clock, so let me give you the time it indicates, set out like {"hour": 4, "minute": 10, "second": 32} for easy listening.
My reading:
{"hour": 11, "minute": 7, "second": 46}
